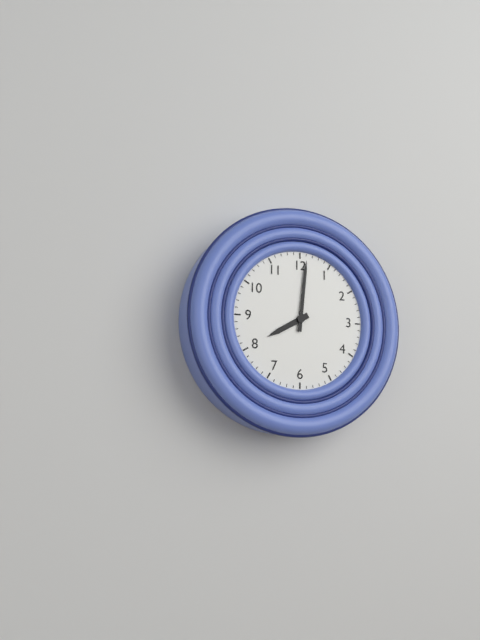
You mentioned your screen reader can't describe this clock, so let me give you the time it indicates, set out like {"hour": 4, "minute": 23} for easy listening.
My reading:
{"hour": 8, "minute": 1}
